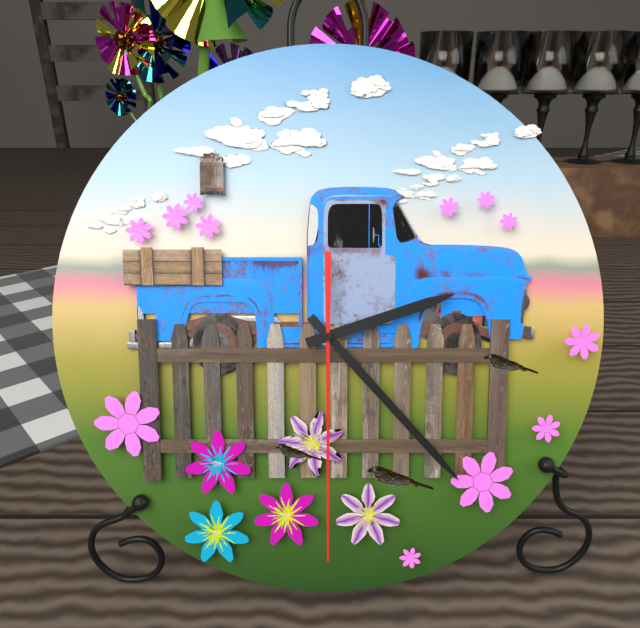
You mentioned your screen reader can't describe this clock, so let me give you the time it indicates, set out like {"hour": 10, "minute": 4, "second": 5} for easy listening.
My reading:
{"hour": 2, "minute": 23, "second": 30}
